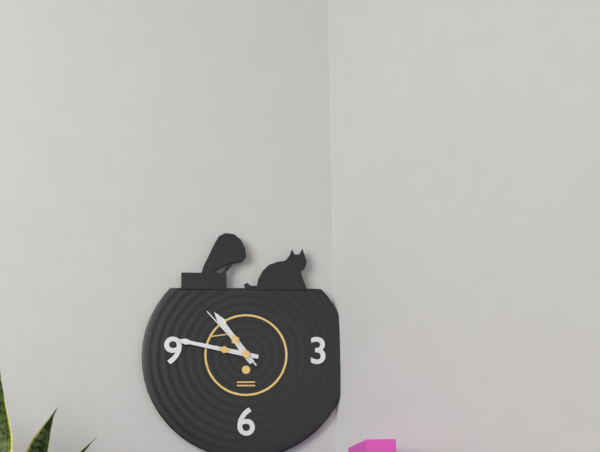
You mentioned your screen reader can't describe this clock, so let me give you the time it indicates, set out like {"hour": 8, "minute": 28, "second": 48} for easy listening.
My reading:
{"hour": 10, "minute": 47, "second": 53}
